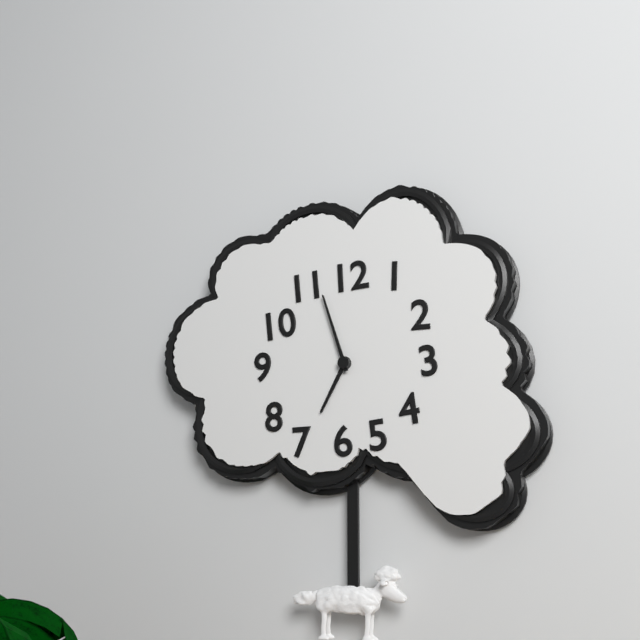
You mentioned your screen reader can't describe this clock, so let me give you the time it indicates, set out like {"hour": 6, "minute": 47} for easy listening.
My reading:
{"hour": 6, "minute": 57}
